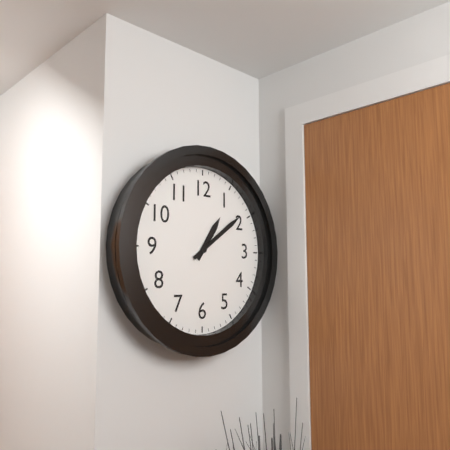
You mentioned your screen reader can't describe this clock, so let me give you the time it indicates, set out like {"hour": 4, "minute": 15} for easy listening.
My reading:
{"hour": 1, "minute": 9}
